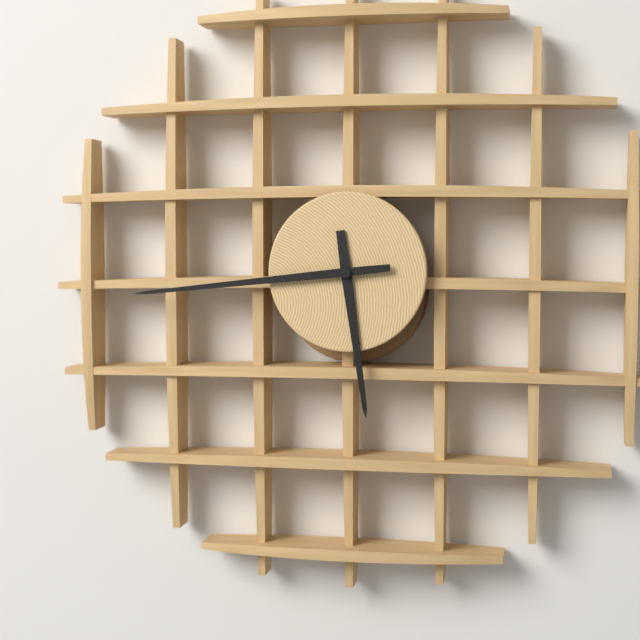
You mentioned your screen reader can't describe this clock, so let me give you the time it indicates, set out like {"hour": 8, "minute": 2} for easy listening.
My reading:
{"hour": 5, "minute": 44}
